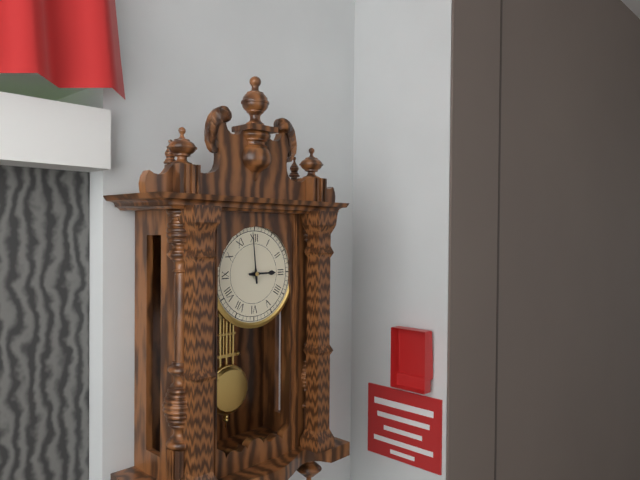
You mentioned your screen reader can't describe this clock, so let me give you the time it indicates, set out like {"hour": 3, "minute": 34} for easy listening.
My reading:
{"hour": 2, "minute": 59}
